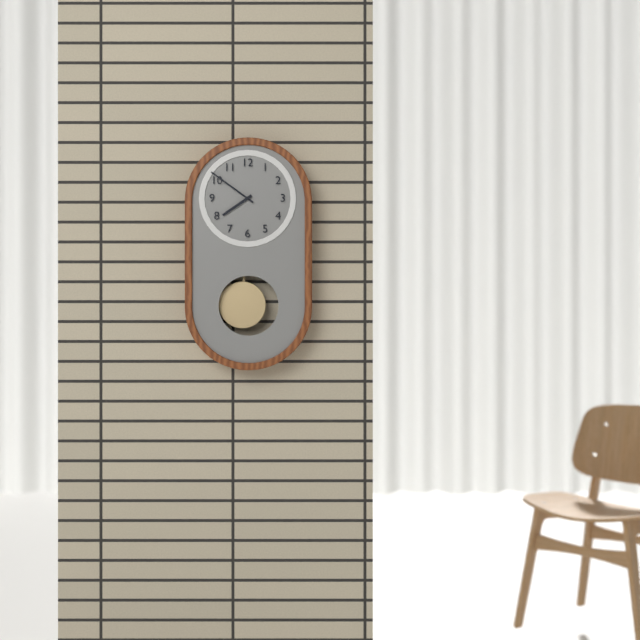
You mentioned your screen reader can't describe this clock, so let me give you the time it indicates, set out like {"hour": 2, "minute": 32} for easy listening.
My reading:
{"hour": 7, "minute": 51}
